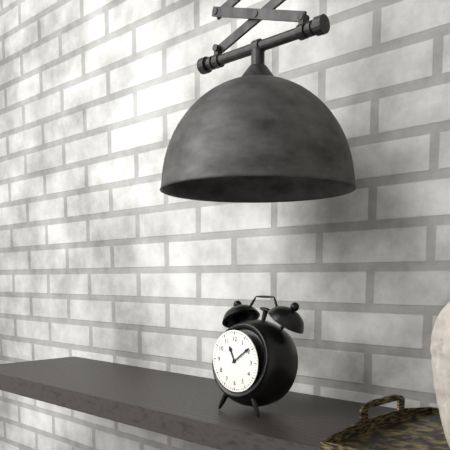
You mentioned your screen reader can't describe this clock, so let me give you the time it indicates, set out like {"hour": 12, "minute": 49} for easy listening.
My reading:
{"hour": 11, "minute": 9}
